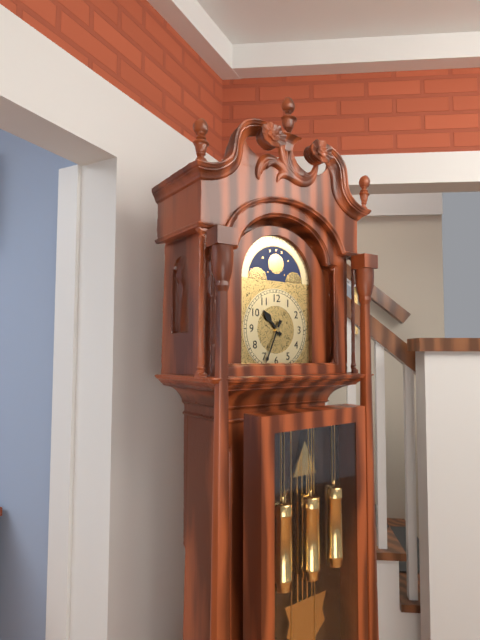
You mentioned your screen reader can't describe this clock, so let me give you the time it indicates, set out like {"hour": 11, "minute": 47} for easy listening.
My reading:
{"hour": 10, "minute": 34}
